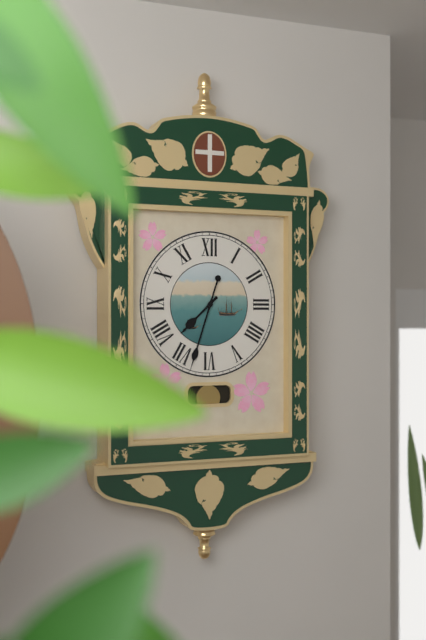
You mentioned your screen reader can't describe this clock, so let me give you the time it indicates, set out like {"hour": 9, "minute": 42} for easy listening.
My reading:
{"hour": 7, "minute": 33}
